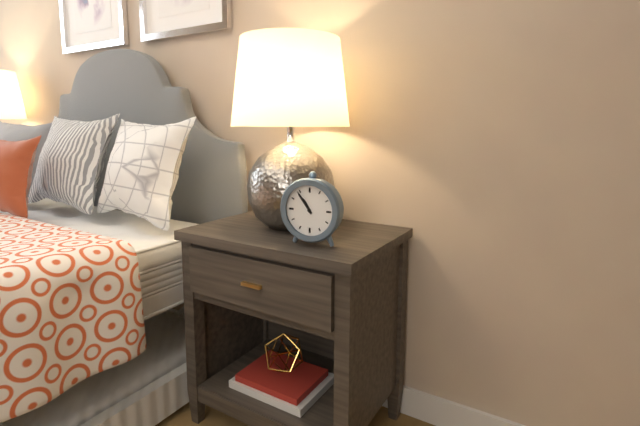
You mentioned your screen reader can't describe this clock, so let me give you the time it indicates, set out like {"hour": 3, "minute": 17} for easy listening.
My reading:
{"hour": 10, "minute": 54}
